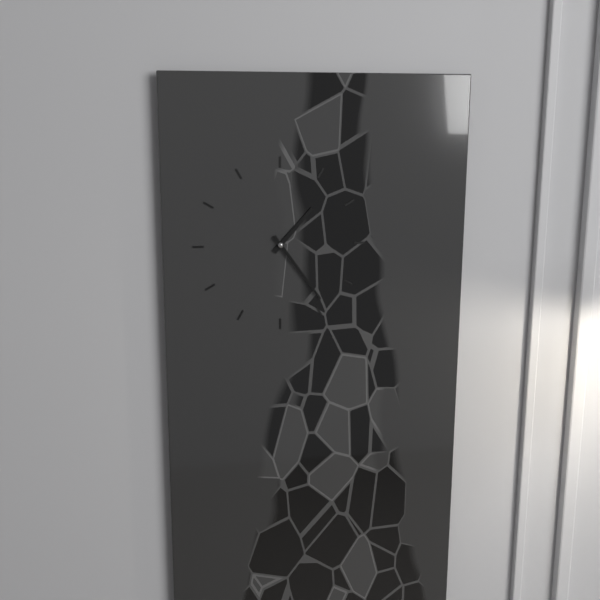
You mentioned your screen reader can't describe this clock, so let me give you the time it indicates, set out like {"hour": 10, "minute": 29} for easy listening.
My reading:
{"hour": 1, "minute": 24}
